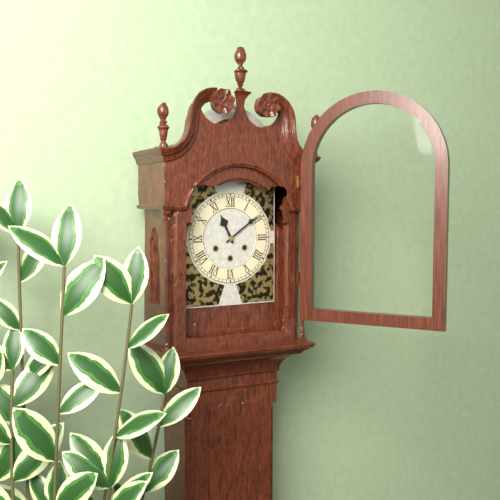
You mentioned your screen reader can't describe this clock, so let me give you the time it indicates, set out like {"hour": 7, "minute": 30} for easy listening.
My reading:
{"hour": 11, "minute": 9}
